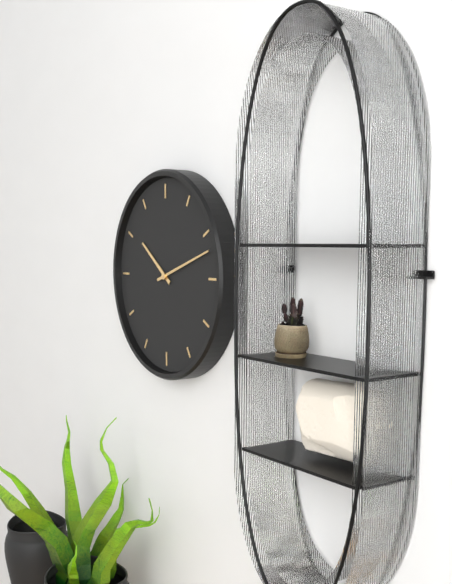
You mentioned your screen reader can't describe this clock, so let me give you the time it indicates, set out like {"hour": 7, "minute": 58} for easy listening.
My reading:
{"hour": 10, "minute": 12}
